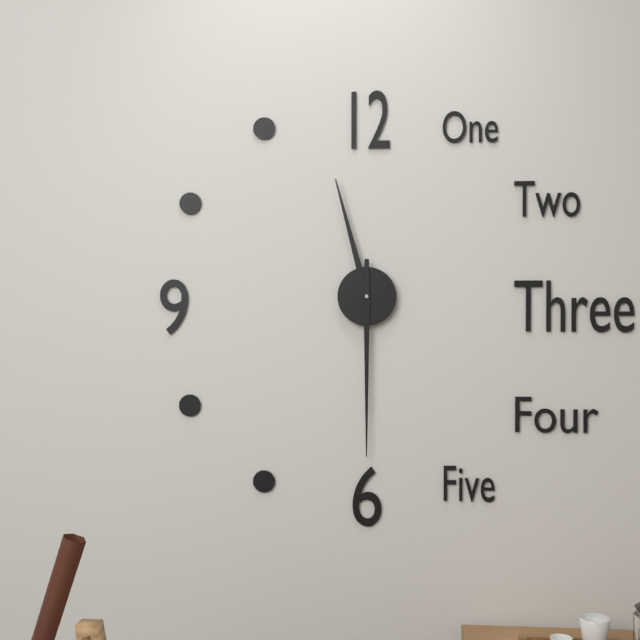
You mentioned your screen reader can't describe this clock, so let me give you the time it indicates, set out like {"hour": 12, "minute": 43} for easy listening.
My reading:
{"hour": 11, "minute": 30}
